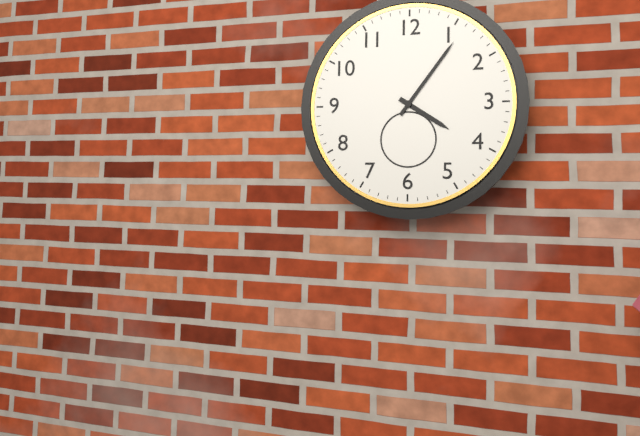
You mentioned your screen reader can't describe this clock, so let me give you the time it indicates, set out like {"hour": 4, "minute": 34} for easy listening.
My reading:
{"hour": 4, "minute": 6}
